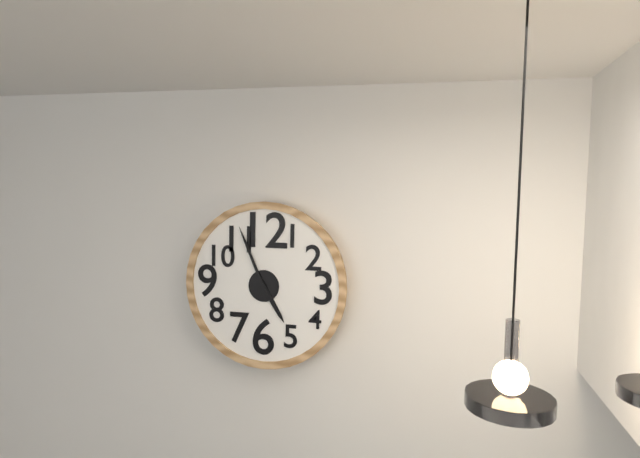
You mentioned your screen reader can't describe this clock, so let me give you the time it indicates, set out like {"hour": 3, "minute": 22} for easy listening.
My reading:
{"hour": 4, "minute": 56}
